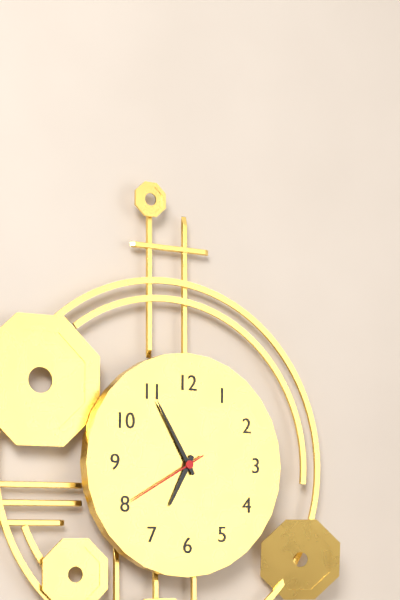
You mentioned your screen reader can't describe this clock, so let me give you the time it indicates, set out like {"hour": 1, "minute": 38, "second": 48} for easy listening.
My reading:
{"hour": 6, "minute": 55, "second": 40}
